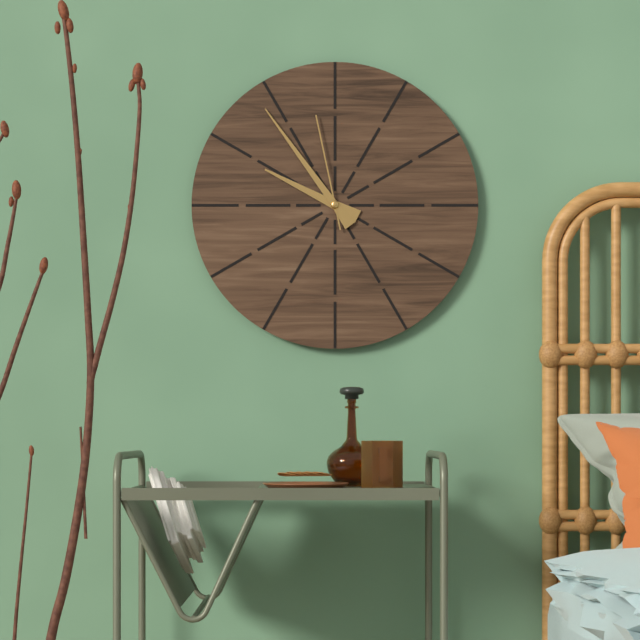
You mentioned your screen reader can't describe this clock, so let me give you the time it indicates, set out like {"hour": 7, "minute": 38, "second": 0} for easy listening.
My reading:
{"hour": 9, "minute": 54, "second": 58}
